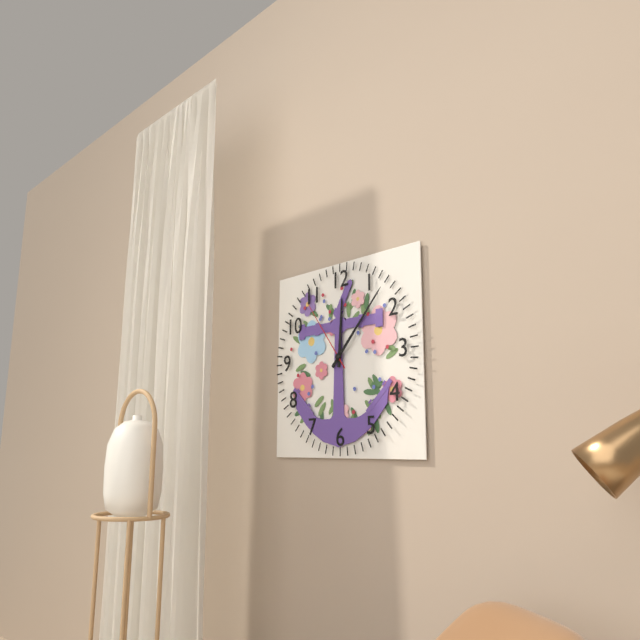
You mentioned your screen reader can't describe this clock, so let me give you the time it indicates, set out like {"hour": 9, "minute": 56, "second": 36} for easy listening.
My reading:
{"hour": 12, "minute": 7, "second": 54}
